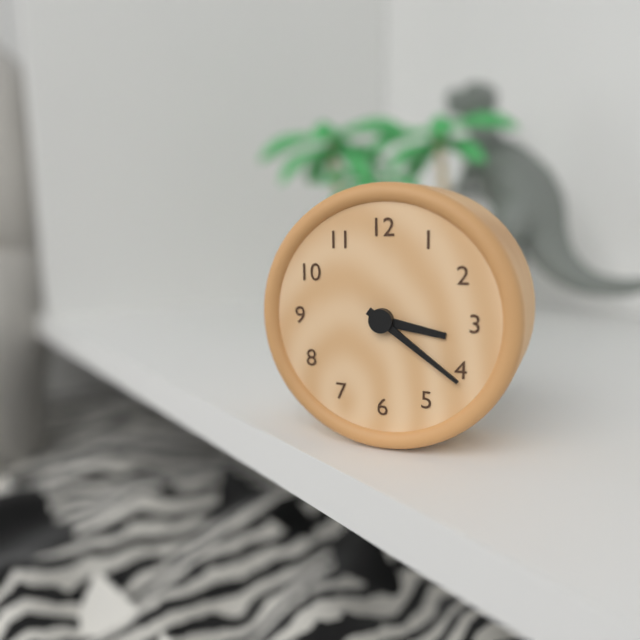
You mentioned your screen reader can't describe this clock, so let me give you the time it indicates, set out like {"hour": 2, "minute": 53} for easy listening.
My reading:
{"hour": 3, "minute": 21}
